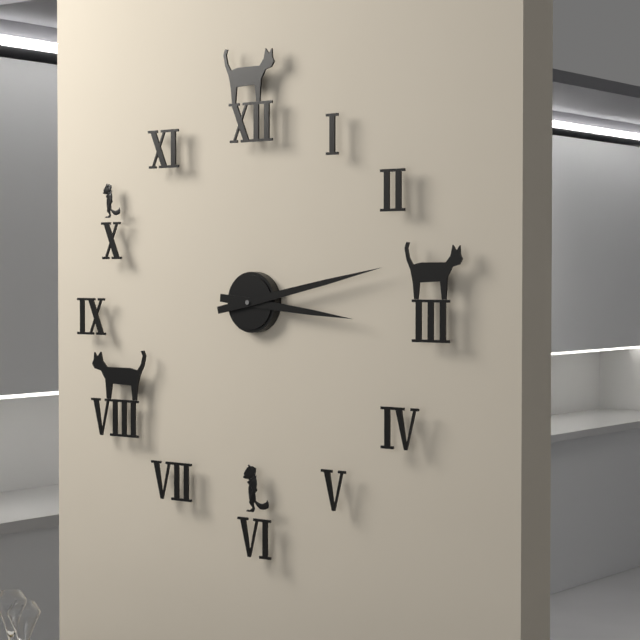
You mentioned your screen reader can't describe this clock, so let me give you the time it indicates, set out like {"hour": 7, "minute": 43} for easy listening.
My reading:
{"hour": 3, "minute": 13}
